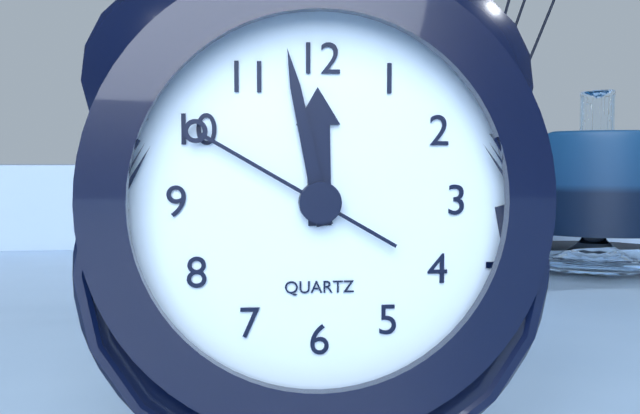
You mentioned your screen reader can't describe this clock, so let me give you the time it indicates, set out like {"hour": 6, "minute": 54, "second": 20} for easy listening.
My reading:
{"hour": 11, "minute": 58, "second": 50}
